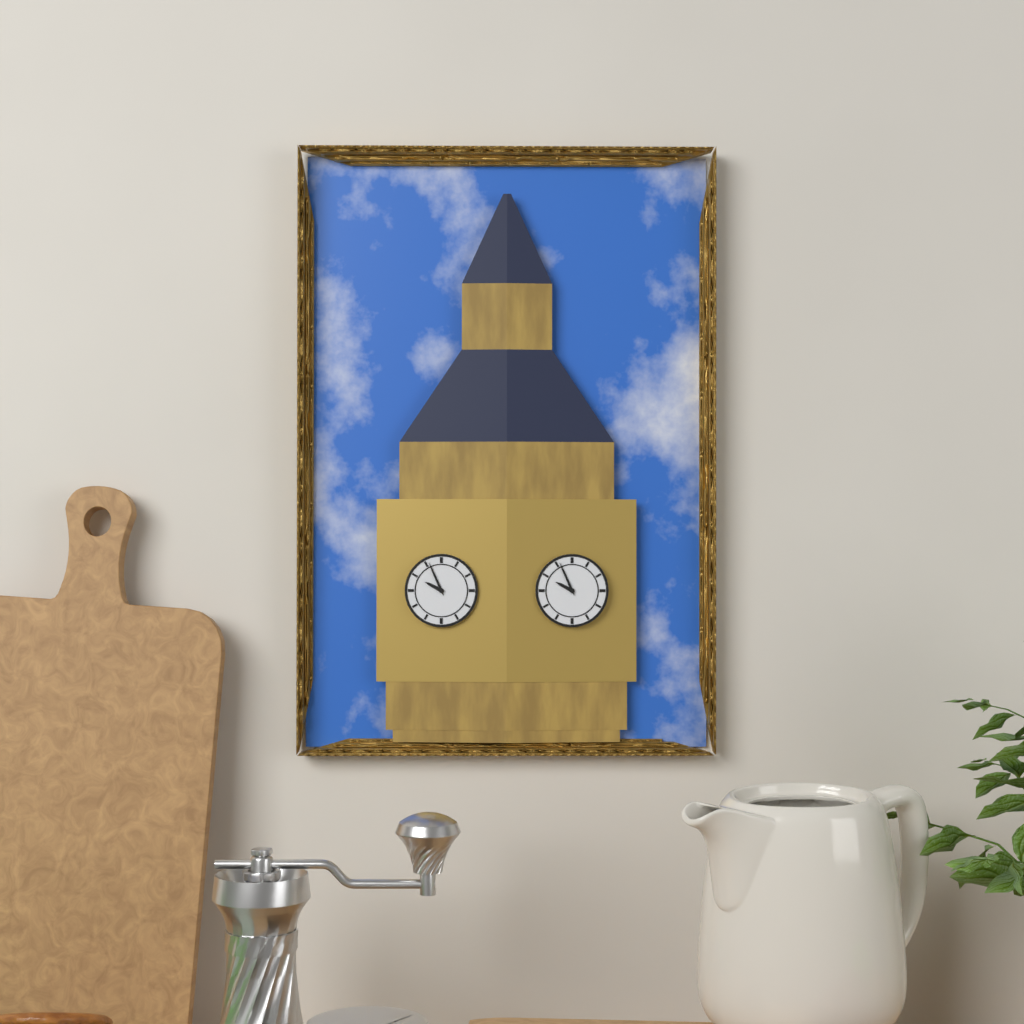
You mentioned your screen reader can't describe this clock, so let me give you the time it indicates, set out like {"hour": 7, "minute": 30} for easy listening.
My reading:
{"hour": 9, "minute": 56}
